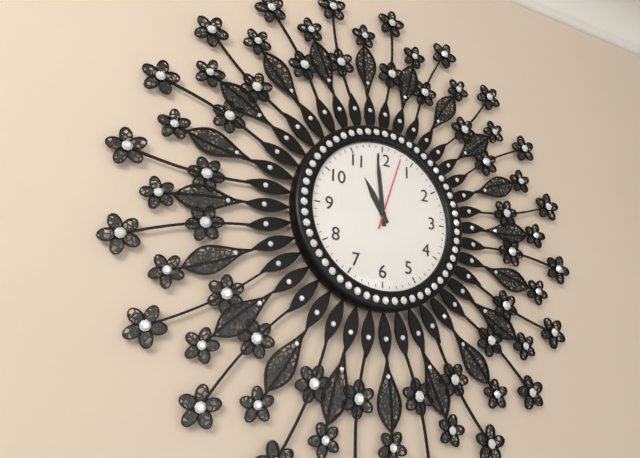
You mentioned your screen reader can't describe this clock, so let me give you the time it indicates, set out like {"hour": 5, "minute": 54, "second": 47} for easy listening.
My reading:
{"hour": 10, "minute": 59, "second": 3}
